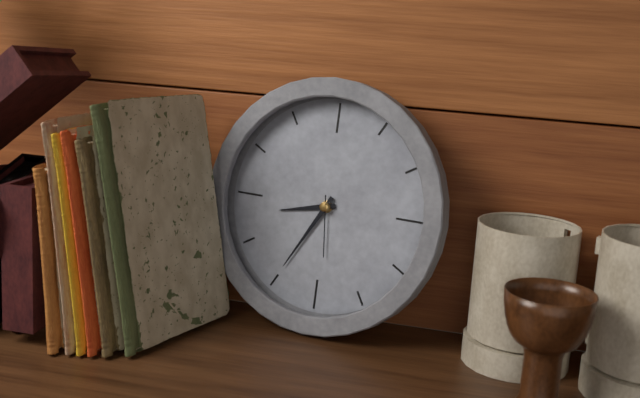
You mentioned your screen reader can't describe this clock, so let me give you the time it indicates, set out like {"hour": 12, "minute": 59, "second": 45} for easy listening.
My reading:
{"hour": 8, "minute": 35, "second": 29}
